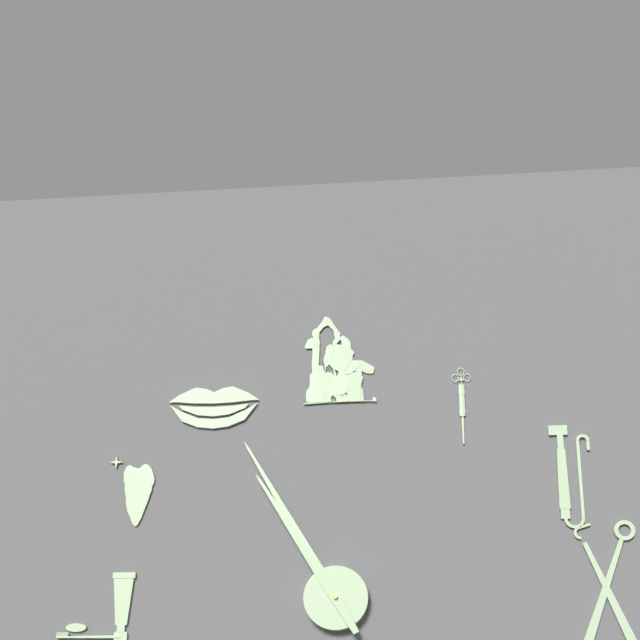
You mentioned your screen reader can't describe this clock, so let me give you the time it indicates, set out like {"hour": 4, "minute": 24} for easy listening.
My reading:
{"hour": 10, "minute": 55}
